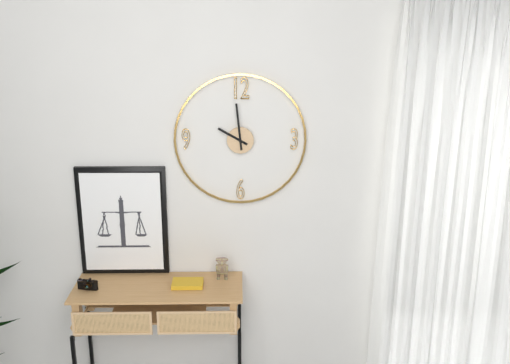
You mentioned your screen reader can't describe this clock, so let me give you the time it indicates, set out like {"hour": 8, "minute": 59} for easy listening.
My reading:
{"hour": 9, "minute": 59}
